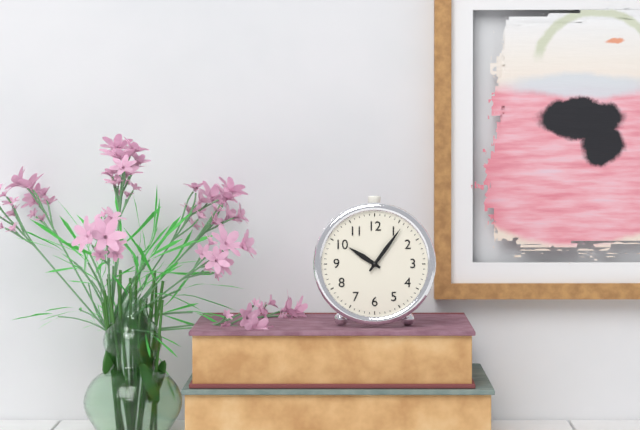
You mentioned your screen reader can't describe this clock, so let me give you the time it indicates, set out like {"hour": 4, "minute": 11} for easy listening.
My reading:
{"hour": 10, "minute": 6}
